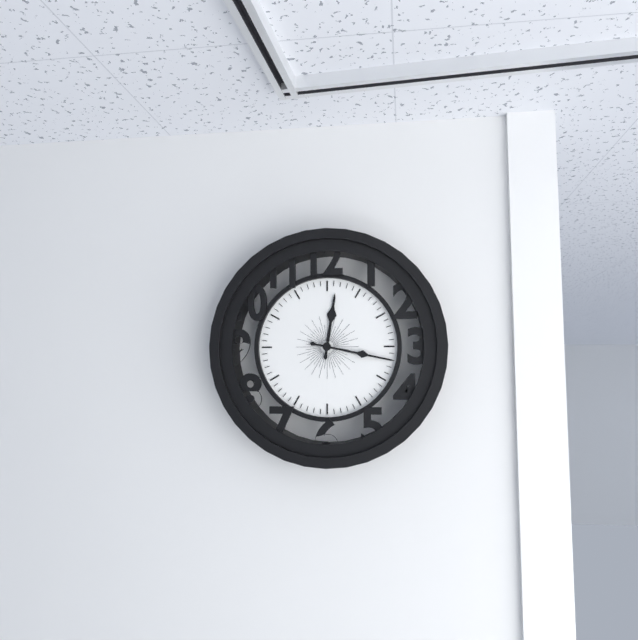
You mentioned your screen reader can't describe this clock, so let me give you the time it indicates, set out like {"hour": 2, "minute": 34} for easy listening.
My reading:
{"hour": 12, "minute": 17}
